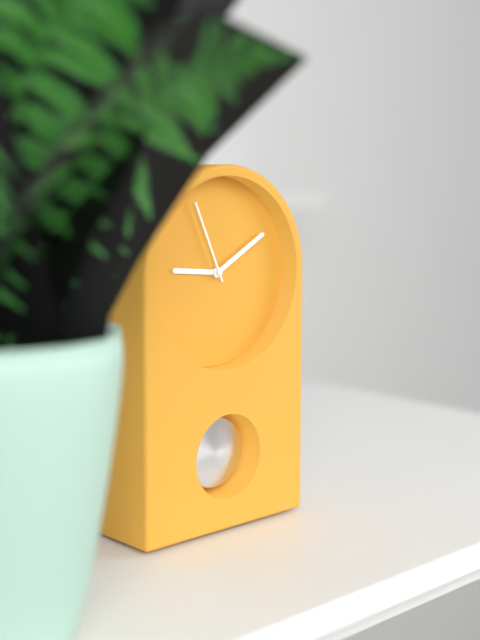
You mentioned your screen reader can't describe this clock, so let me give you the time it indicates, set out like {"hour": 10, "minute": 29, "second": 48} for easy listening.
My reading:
{"hour": 9, "minute": 10, "second": 56}
